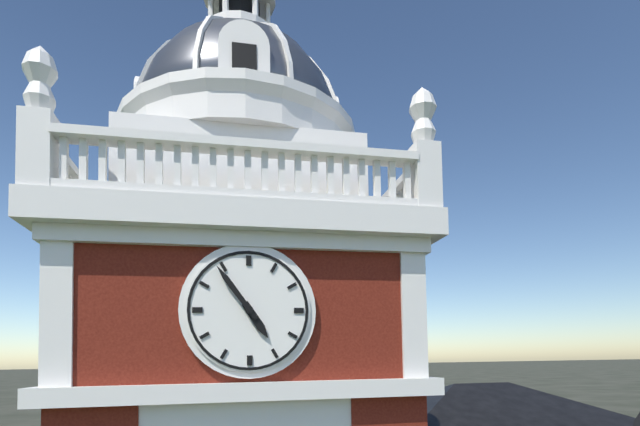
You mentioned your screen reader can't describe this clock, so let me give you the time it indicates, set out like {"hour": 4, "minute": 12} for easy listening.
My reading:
{"hour": 4, "minute": 54}
